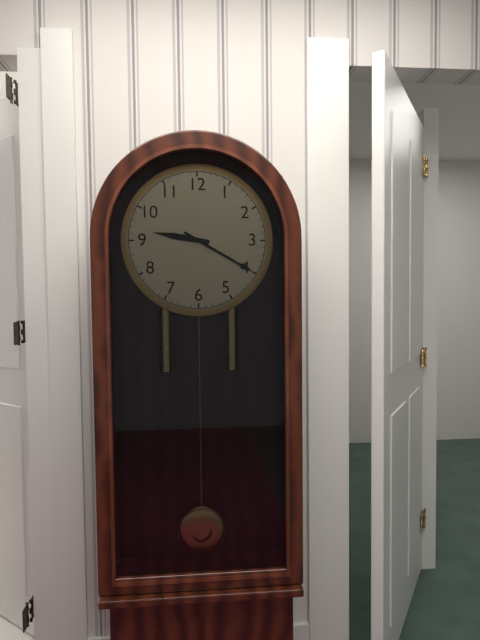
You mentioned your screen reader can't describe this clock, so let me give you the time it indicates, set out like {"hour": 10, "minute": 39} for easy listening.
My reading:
{"hour": 9, "minute": 20}
